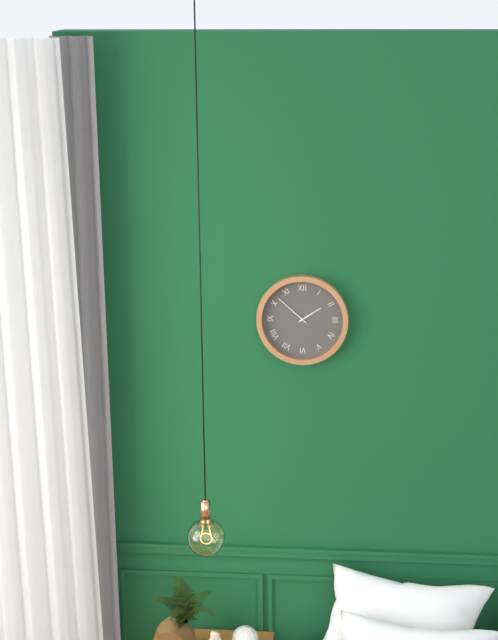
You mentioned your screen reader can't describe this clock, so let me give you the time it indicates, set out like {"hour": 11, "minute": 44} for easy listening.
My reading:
{"hour": 1, "minute": 52}
